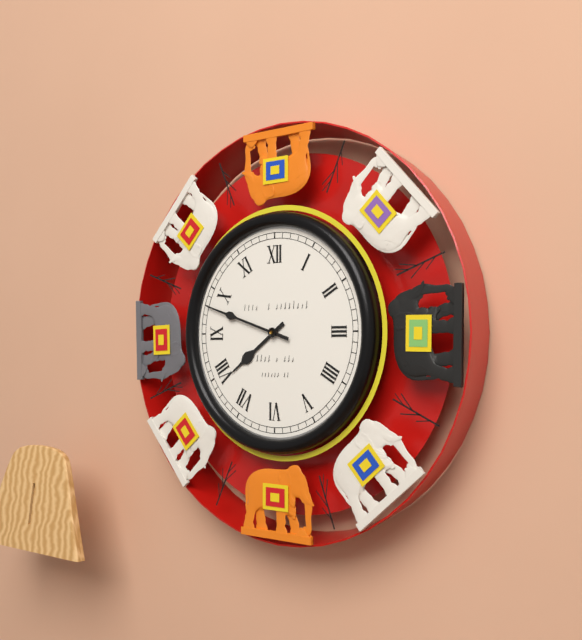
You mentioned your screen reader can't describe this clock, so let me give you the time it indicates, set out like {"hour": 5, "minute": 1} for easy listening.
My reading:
{"hour": 7, "minute": 48}
